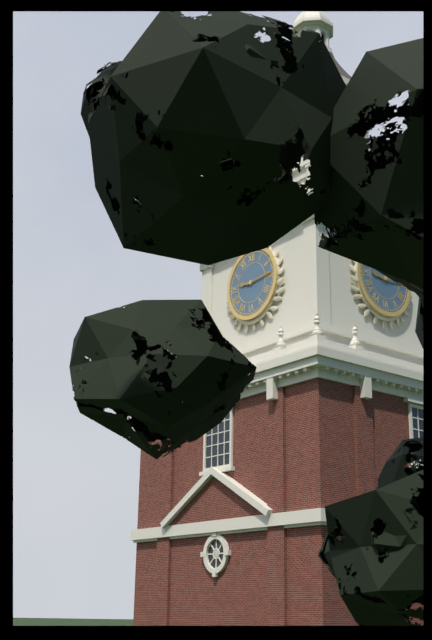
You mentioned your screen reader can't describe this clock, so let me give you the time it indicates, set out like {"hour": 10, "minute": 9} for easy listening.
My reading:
{"hour": 9, "minute": 14}
